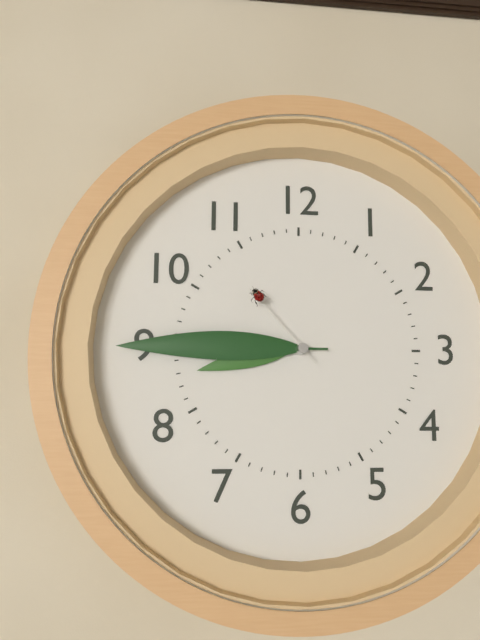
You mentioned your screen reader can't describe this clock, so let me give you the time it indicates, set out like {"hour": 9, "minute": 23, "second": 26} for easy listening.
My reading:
{"hour": 8, "minute": 45, "second": 53}
